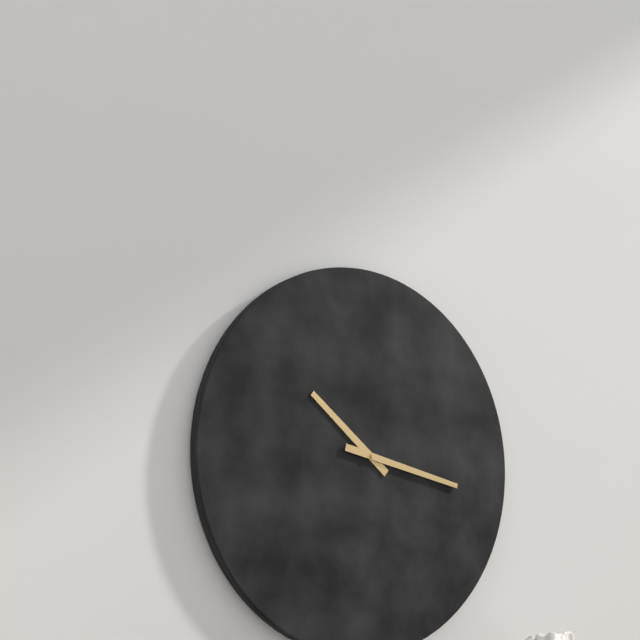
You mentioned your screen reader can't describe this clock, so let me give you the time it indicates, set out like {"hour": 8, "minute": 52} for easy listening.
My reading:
{"hour": 10, "minute": 17}
